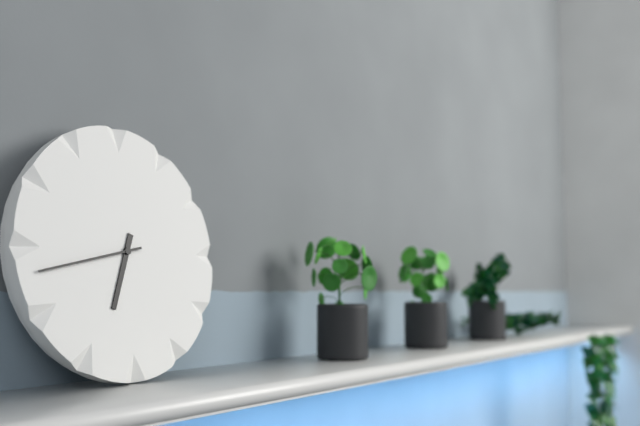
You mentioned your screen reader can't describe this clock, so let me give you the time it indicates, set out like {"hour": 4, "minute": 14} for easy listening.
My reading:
{"hour": 6, "minute": 43}
